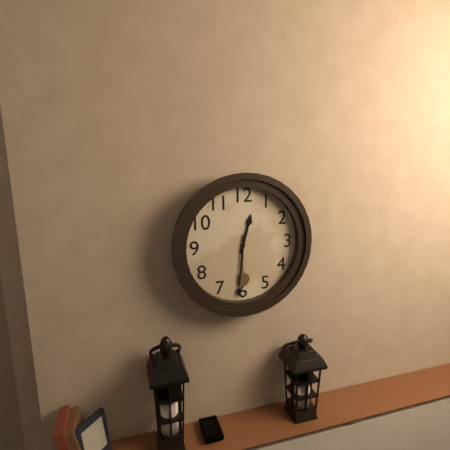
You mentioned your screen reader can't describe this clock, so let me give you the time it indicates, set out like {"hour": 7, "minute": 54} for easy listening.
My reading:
{"hour": 12, "minute": 31}
